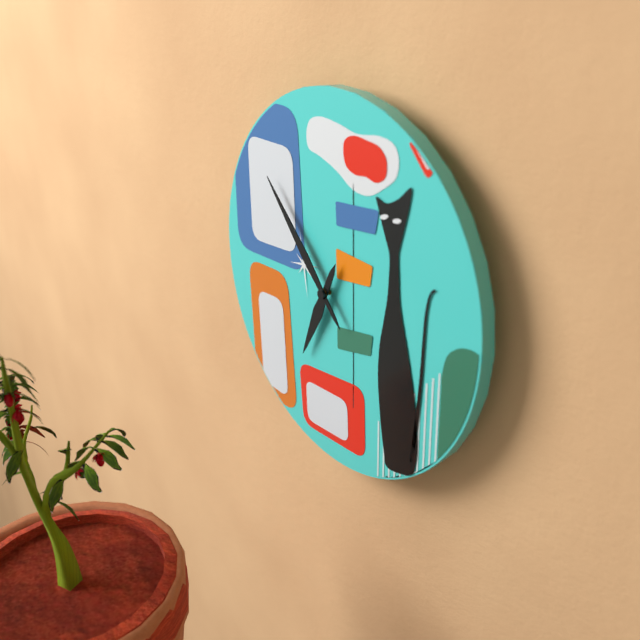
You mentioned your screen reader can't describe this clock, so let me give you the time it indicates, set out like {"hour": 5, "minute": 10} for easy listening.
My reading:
{"hour": 6, "minute": 53}
